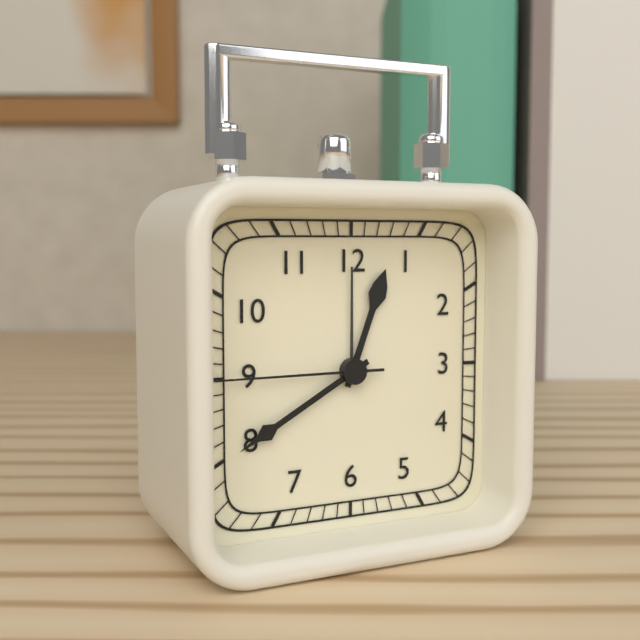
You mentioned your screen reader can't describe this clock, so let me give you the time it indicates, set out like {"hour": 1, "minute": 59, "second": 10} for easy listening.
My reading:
{"hour": 12, "minute": 40, "second": 45}
